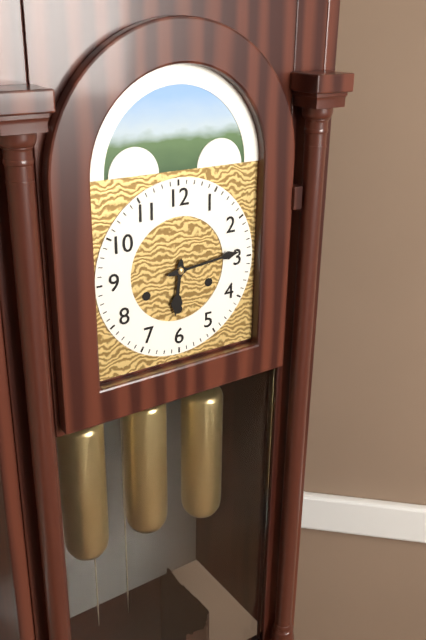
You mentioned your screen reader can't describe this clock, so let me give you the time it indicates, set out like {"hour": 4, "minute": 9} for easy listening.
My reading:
{"hour": 6, "minute": 14}
